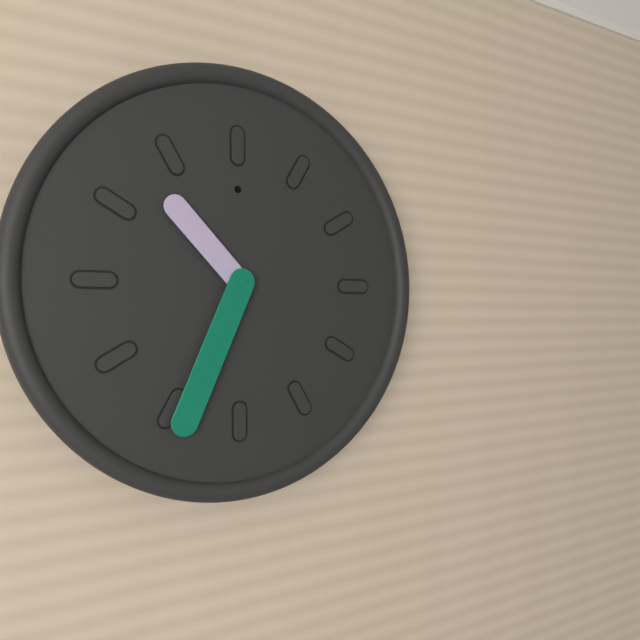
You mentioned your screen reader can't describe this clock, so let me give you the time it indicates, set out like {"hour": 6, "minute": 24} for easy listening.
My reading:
{"hour": 10, "minute": 34}
